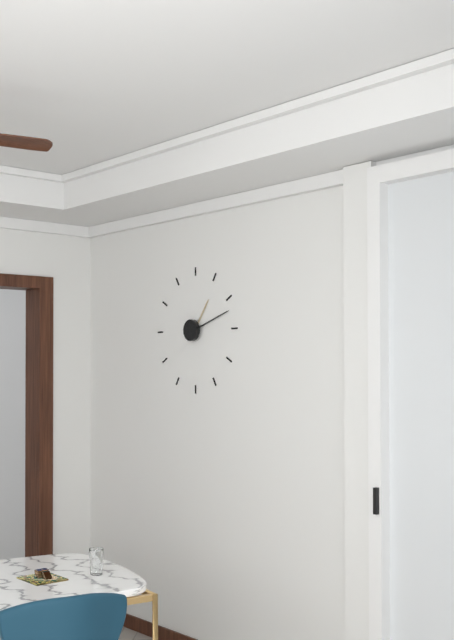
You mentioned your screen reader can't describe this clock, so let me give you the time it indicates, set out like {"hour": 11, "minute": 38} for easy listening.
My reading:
{"hour": 1, "minute": 12}
